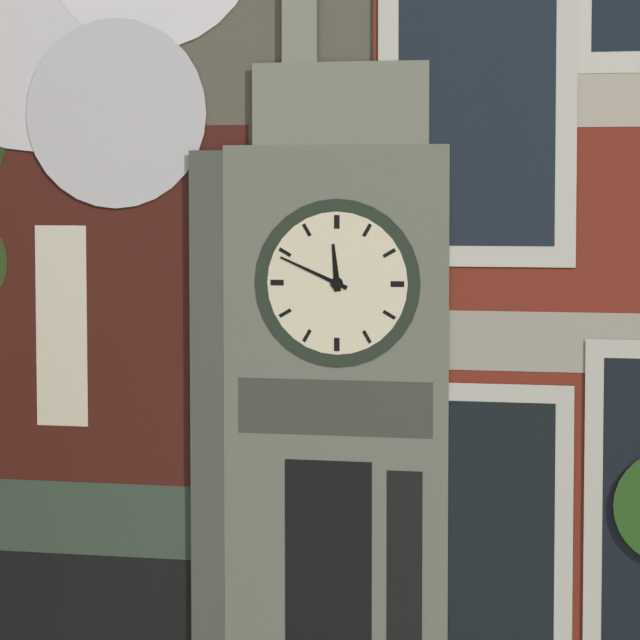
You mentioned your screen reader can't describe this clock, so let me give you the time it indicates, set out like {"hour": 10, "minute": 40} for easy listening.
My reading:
{"hour": 11, "minute": 49}
